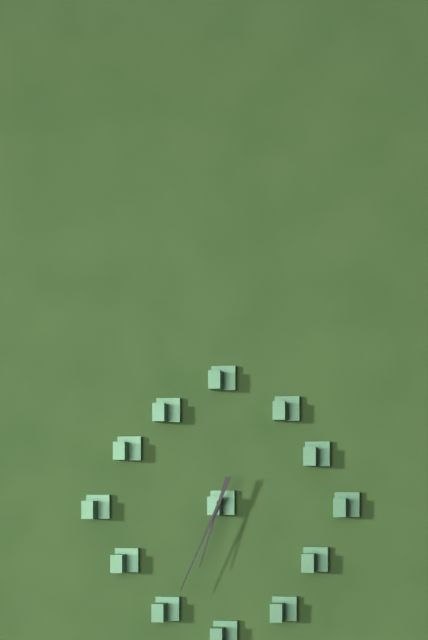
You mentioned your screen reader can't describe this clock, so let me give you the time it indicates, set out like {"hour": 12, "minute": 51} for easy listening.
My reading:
{"hour": 6, "minute": 34}
